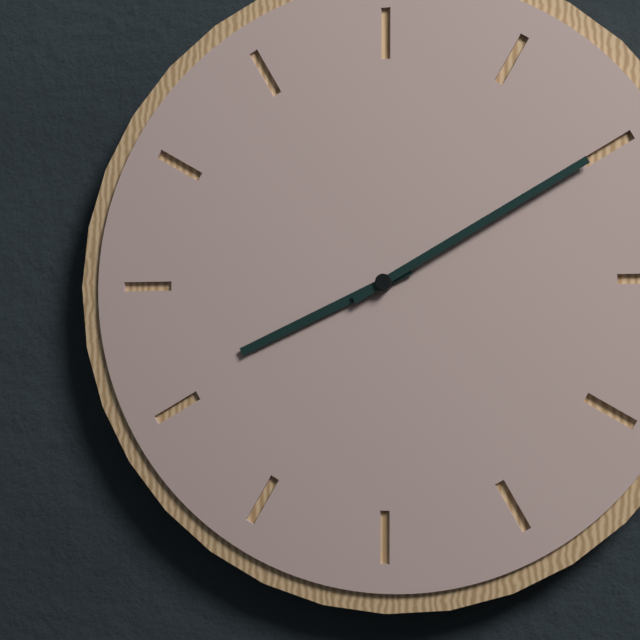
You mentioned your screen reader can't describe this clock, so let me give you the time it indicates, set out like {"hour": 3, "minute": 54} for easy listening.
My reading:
{"hour": 8, "minute": 10}
